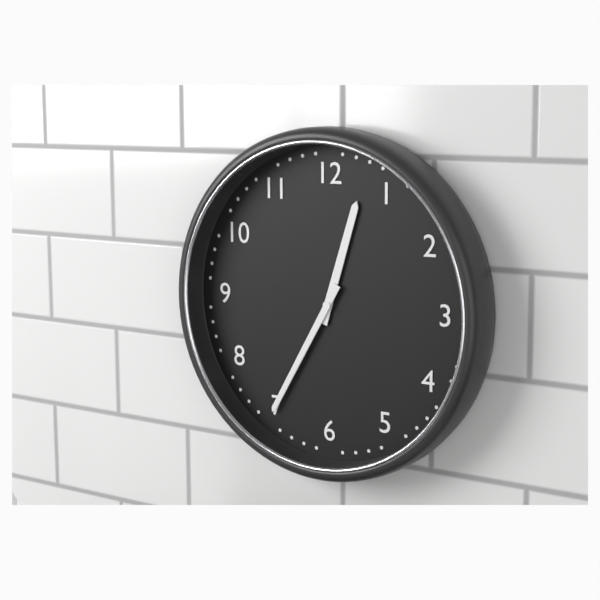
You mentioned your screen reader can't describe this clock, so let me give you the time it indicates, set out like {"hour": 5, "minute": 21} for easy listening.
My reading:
{"hour": 12, "minute": 35}
